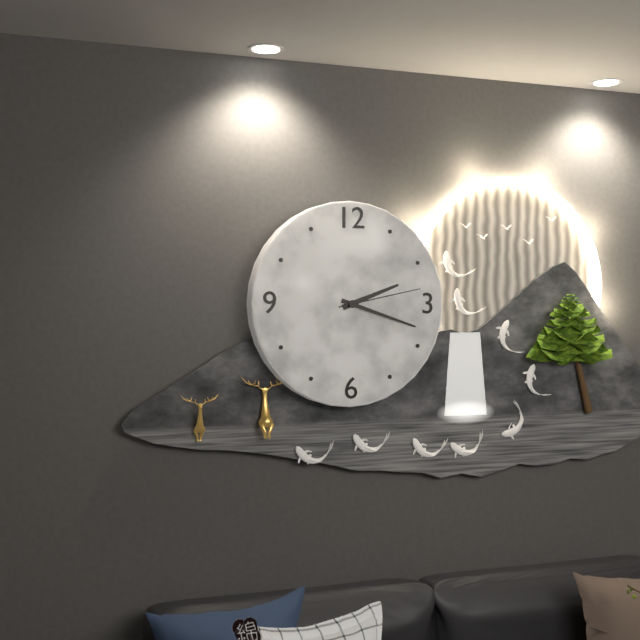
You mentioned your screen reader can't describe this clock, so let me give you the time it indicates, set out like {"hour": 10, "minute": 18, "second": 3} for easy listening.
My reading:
{"hour": 2, "minute": 18, "second": 13}
